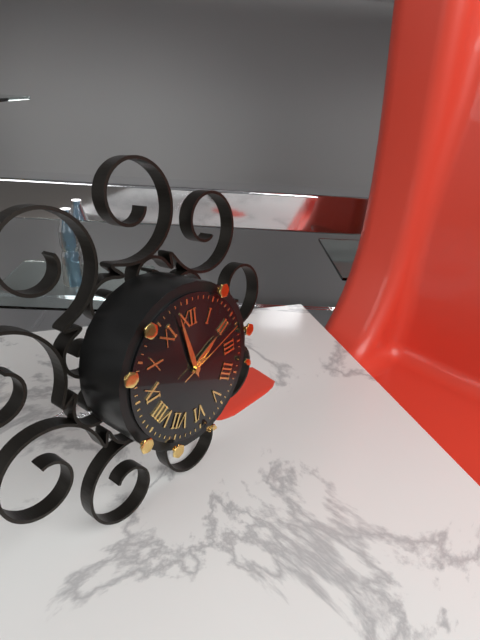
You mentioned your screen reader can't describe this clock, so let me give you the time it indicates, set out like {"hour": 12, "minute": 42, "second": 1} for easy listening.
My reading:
{"hour": 1, "minute": 58, "second": 12}
